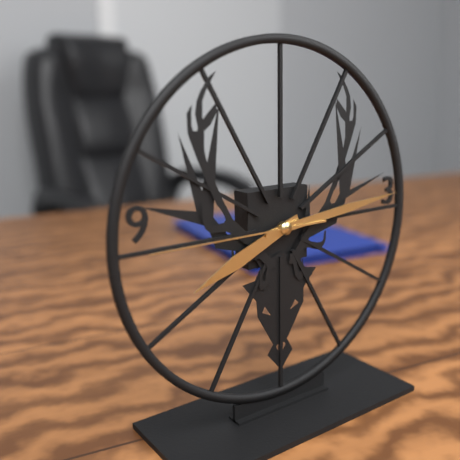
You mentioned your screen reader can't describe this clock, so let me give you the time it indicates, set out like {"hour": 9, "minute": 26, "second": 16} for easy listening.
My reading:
{"hour": 8, "minute": 14, "second": 45}
